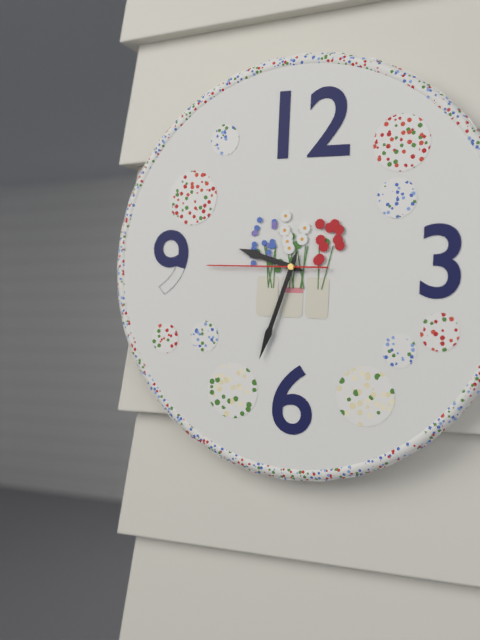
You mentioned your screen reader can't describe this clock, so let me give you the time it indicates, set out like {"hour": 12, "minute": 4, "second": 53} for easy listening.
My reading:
{"hour": 9, "minute": 33, "second": 45}
